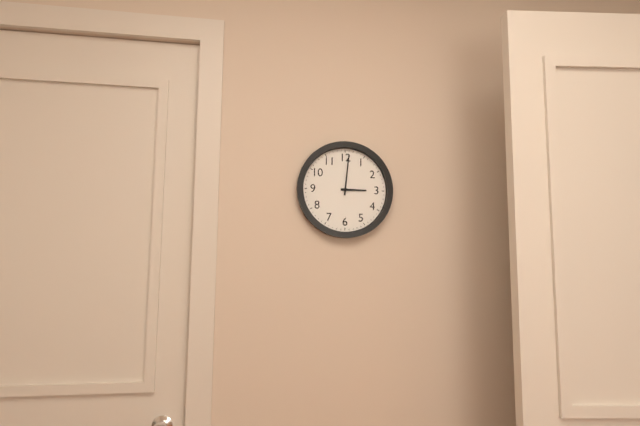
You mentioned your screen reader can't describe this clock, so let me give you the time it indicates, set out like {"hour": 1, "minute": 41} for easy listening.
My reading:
{"hour": 3, "minute": 1}
